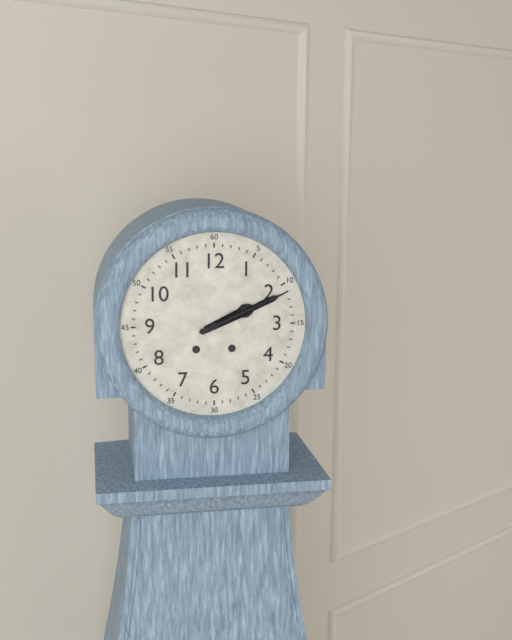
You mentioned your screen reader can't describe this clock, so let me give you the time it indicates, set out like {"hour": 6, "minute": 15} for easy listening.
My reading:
{"hour": 2, "minute": 11}
